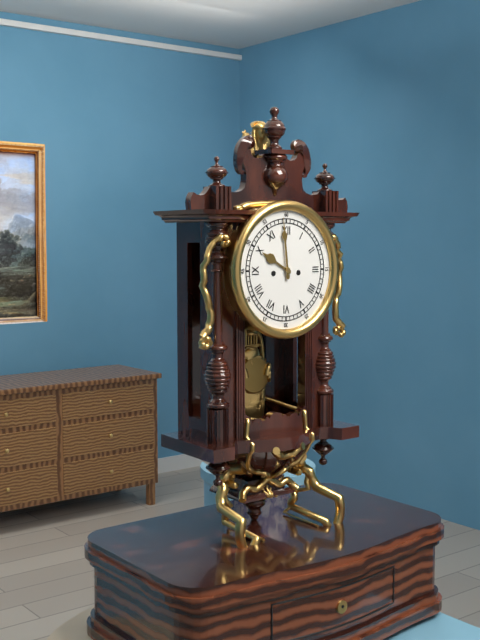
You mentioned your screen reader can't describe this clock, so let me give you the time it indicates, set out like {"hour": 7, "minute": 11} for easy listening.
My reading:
{"hour": 9, "minute": 59}
